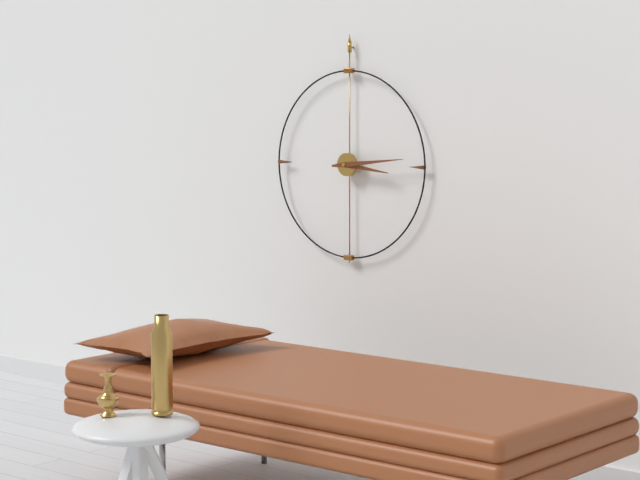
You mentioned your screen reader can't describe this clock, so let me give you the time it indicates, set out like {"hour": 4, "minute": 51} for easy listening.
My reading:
{"hour": 3, "minute": 14}
